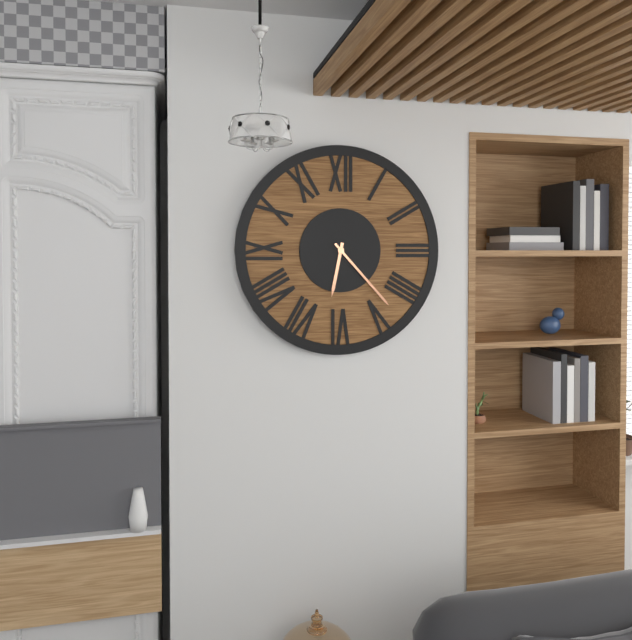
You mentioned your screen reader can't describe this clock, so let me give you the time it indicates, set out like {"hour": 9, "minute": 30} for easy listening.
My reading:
{"hour": 6, "minute": 23}
